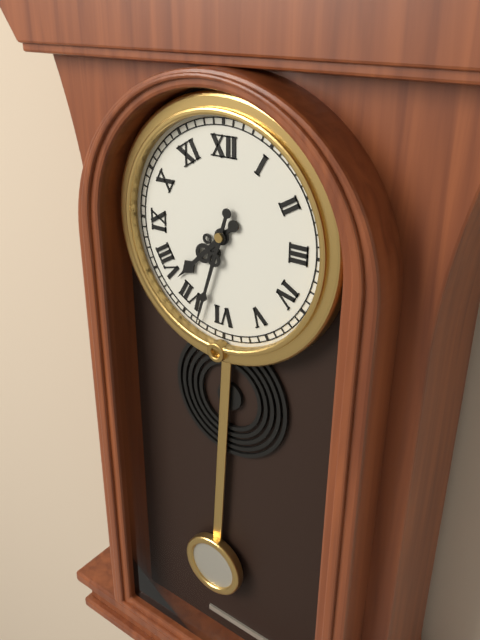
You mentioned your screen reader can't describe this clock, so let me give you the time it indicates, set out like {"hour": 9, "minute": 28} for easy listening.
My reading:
{"hour": 7, "minute": 33}
